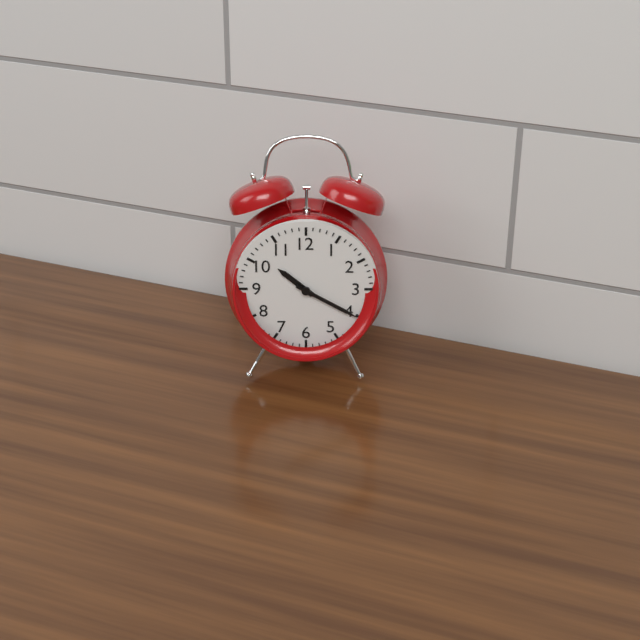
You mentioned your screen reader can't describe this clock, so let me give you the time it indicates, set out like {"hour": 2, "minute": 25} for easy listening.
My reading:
{"hour": 10, "minute": 20}
